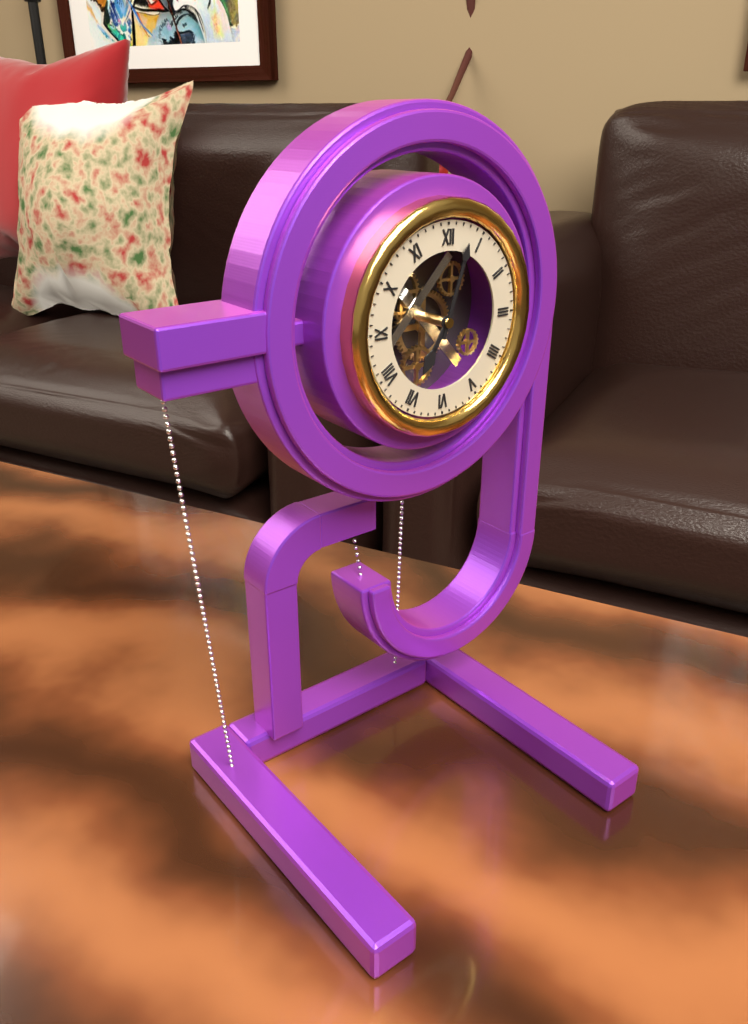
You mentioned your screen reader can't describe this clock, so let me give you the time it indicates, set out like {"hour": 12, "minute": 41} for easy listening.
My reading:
{"hour": 7, "minute": 3}
